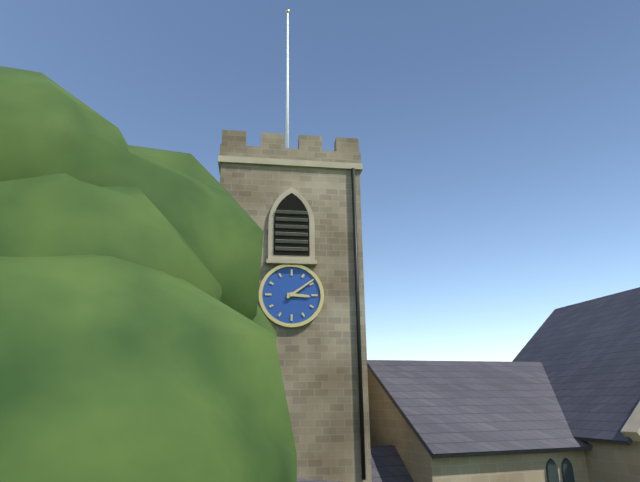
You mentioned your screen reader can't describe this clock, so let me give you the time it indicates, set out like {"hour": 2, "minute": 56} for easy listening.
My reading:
{"hour": 3, "minute": 9}
